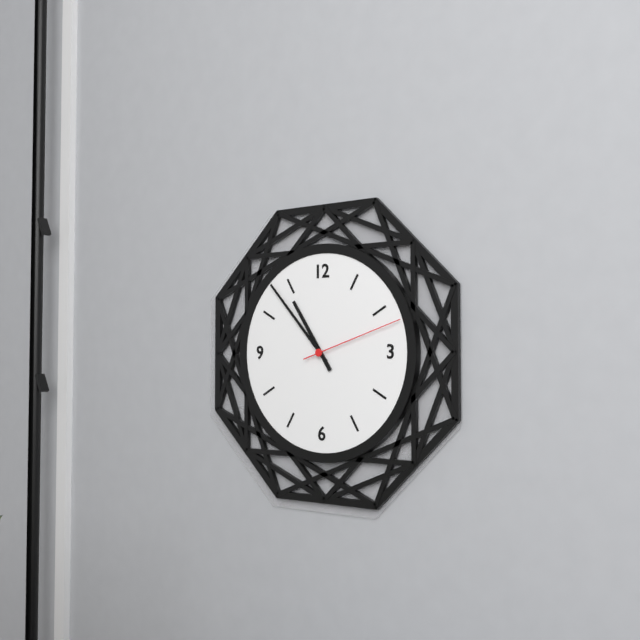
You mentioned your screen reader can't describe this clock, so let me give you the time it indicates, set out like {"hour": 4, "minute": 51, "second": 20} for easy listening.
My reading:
{"hour": 10, "minute": 53, "second": 12}
